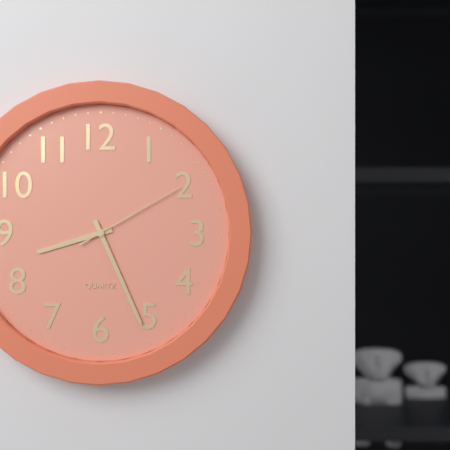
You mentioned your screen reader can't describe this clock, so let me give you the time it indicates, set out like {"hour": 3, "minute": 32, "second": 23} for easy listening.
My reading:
{"hour": 8, "minute": 26, "second": 10}
